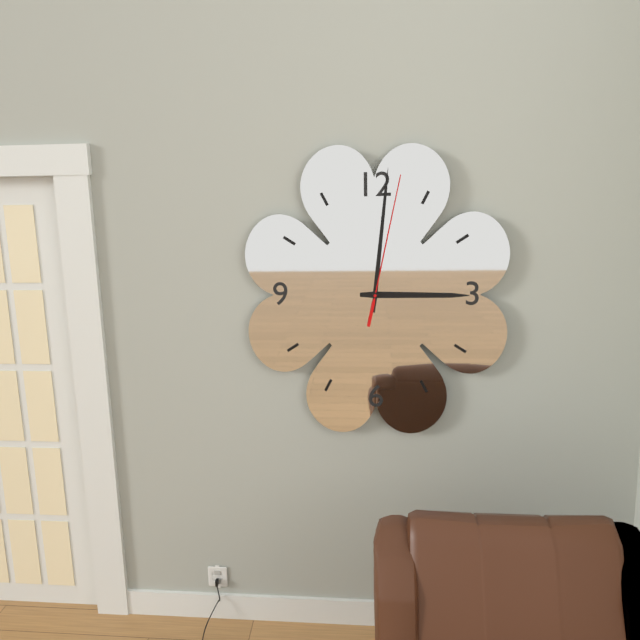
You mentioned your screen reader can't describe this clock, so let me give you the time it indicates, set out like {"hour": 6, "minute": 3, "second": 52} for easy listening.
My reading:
{"hour": 3, "minute": 1, "second": 2}
